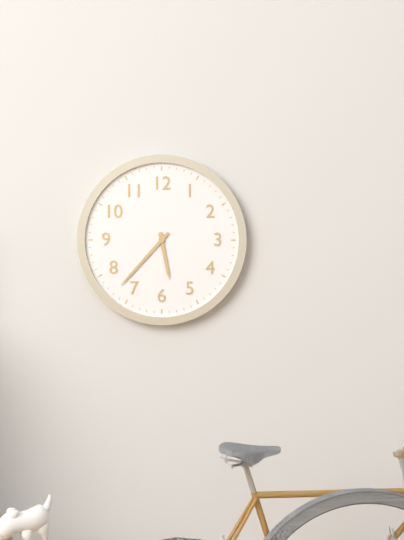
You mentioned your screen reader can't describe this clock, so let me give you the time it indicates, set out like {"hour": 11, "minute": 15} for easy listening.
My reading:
{"hour": 5, "minute": 37}
